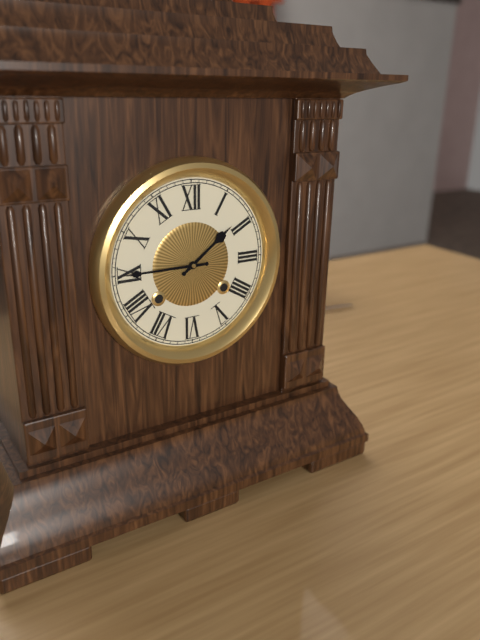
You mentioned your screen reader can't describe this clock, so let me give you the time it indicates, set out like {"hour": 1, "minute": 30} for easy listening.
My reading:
{"hour": 1, "minute": 45}
